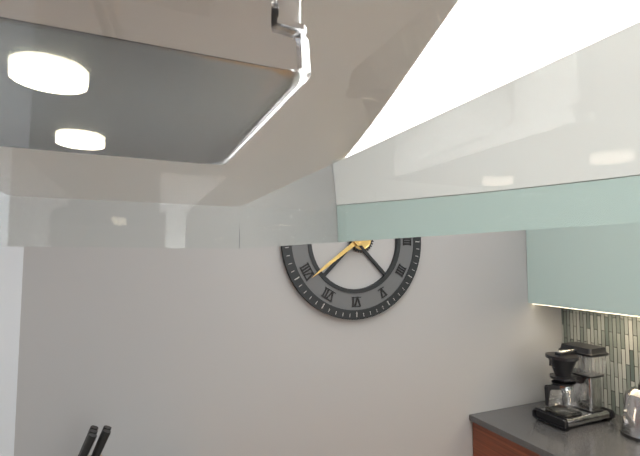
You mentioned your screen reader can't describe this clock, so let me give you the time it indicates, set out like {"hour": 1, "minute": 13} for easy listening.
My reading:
{"hour": 1, "minute": 39}
